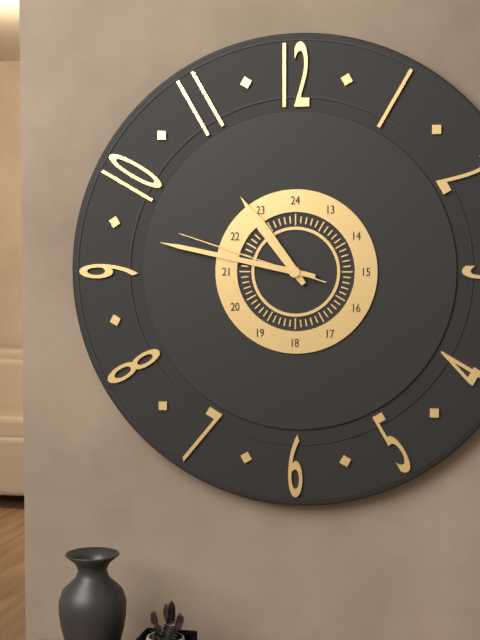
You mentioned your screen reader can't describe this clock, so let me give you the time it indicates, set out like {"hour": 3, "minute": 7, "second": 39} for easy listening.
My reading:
{"hour": 10, "minute": 47, "second": 48}
